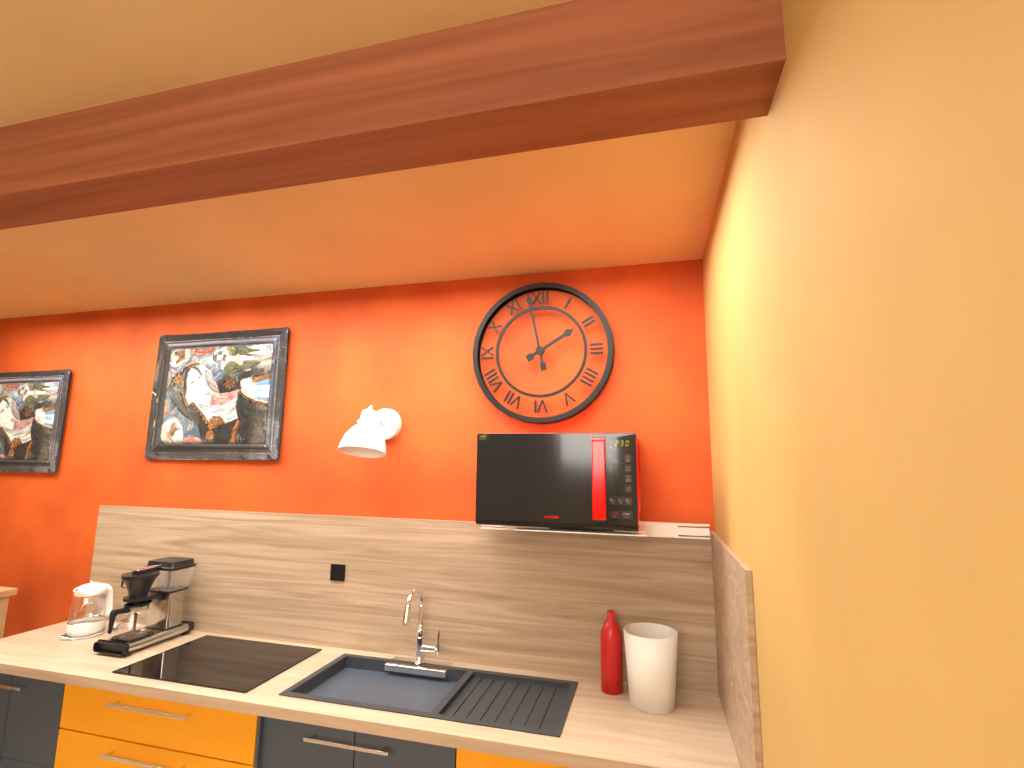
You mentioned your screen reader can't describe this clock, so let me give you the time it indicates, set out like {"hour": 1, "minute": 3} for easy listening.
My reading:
{"hour": 1, "minute": 58}
